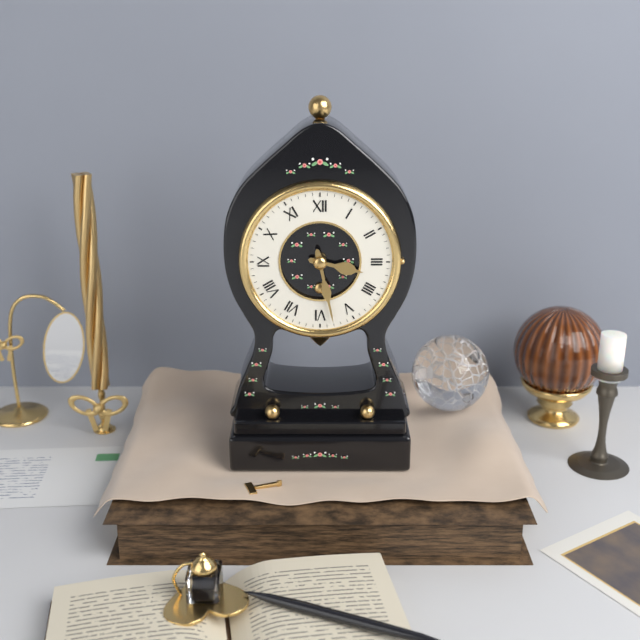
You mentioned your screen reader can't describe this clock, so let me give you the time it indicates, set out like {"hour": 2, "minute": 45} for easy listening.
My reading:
{"hour": 3, "minute": 28}
